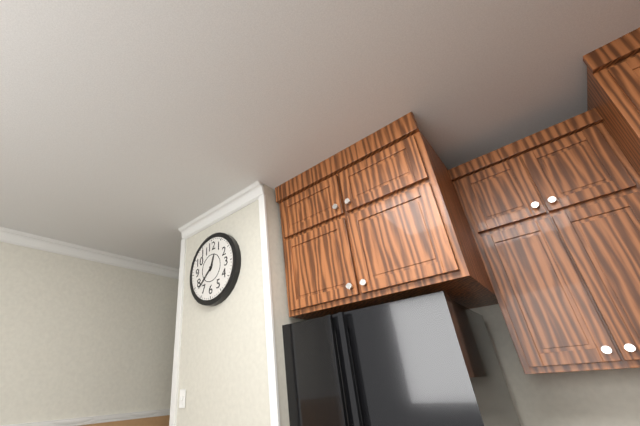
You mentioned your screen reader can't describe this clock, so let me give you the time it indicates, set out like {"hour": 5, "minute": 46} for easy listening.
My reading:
{"hour": 12, "minute": 38}
